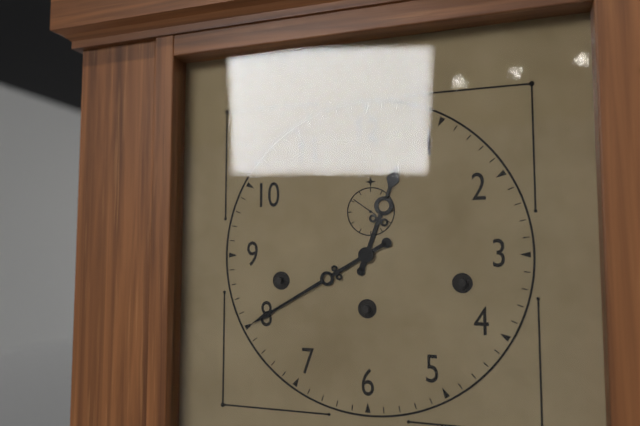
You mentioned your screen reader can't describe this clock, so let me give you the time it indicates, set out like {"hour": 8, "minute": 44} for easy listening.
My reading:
{"hour": 12, "minute": 40}
